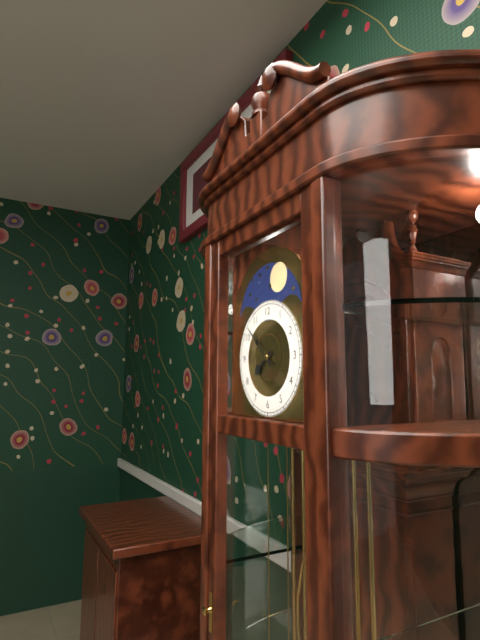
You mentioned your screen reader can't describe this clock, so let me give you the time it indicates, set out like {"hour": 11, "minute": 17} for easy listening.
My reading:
{"hour": 7, "minute": 52}
